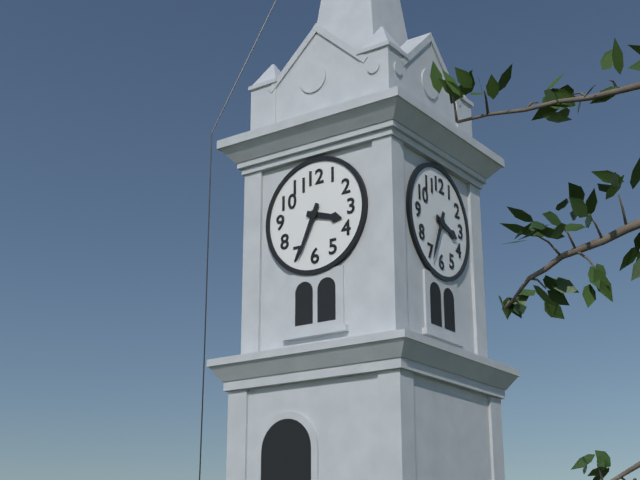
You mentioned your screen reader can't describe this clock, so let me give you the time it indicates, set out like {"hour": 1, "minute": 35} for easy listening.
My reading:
{"hour": 3, "minute": 34}
